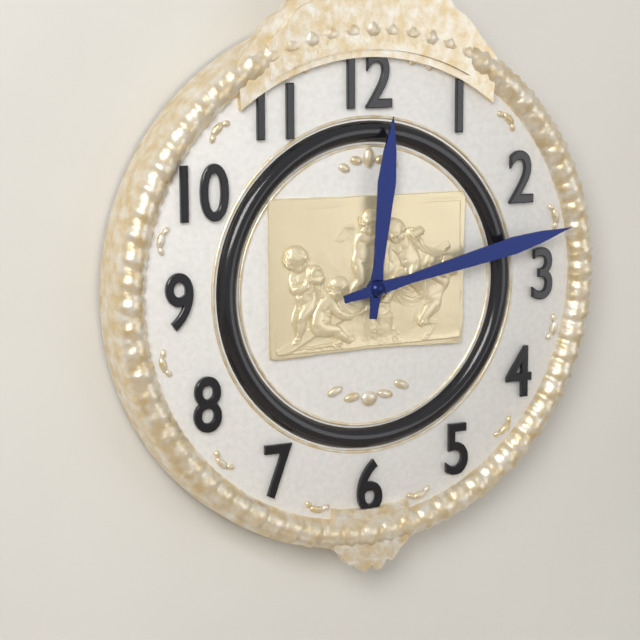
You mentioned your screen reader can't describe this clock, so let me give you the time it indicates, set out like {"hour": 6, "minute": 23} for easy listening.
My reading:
{"hour": 12, "minute": 13}
